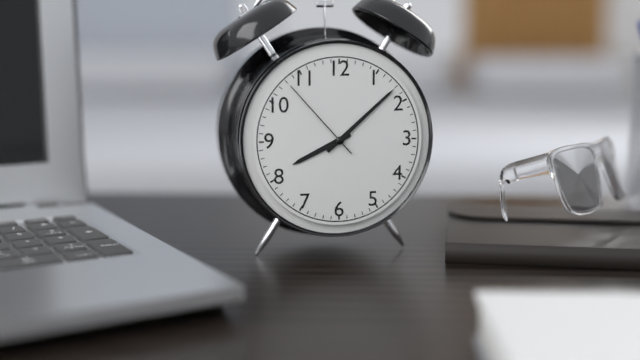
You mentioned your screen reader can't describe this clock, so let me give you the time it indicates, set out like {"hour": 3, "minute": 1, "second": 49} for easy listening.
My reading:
{"hour": 8, "minute": 8, "second": 53}
